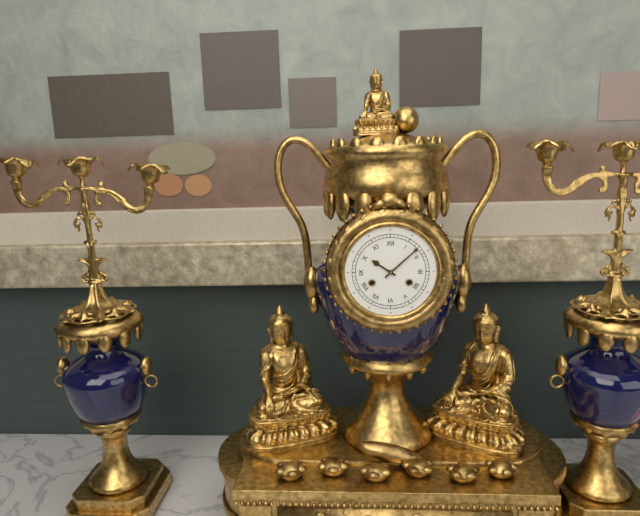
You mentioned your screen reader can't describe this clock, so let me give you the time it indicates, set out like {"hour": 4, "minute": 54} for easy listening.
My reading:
{"hour": 10, "minute": 8}
